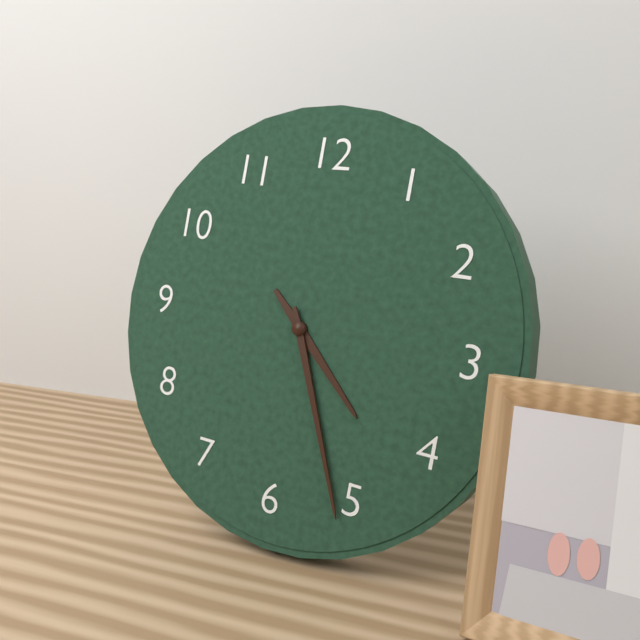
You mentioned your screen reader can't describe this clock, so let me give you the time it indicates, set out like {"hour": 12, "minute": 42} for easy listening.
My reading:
{"hour": 4, "minute": 26}
